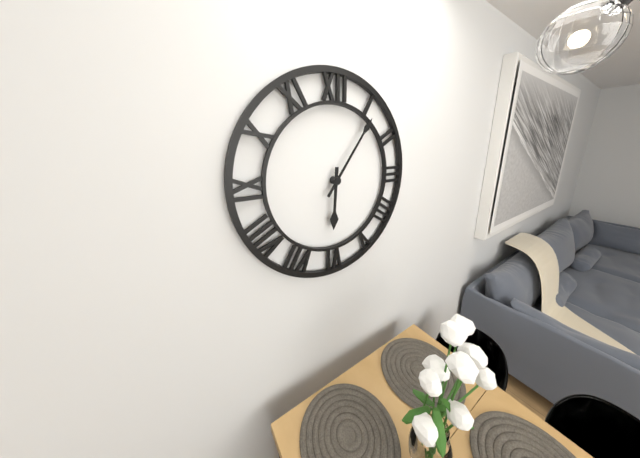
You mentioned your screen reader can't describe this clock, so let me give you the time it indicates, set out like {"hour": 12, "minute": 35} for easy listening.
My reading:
{"hour": 6, "minute": 6}
